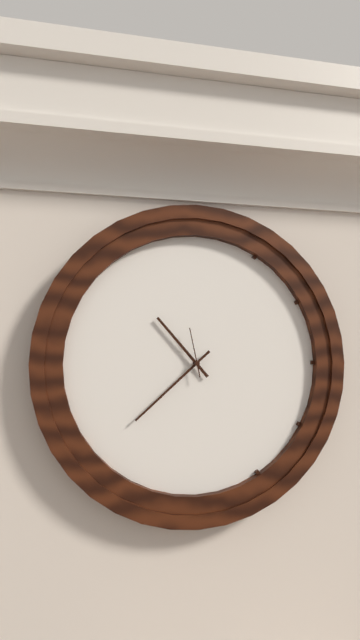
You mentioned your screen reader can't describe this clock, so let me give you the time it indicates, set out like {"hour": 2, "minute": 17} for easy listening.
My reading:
{"hour": 10, "minute": 38}
